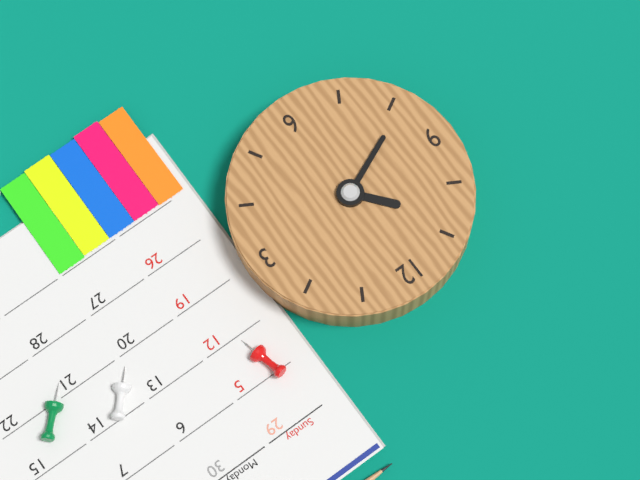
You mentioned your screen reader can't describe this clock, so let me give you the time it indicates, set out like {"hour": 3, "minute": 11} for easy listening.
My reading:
{"hour": 10, "minute": 41}
